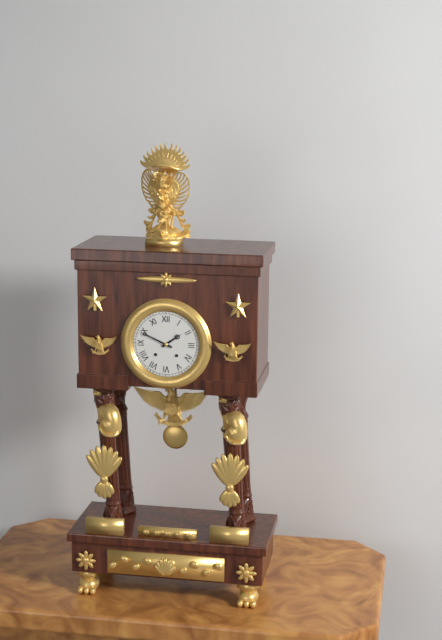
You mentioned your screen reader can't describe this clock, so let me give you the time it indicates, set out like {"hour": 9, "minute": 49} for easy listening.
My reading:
{"hour": 1, "minute": 49}
